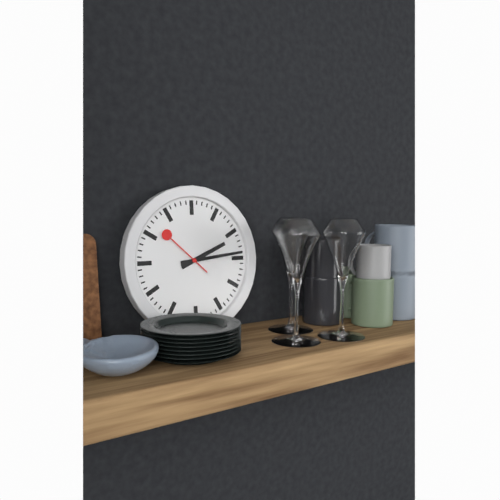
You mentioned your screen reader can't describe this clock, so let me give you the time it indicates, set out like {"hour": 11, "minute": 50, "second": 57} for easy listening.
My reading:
{"hour": 2, "minute": 14, "second": 52}
